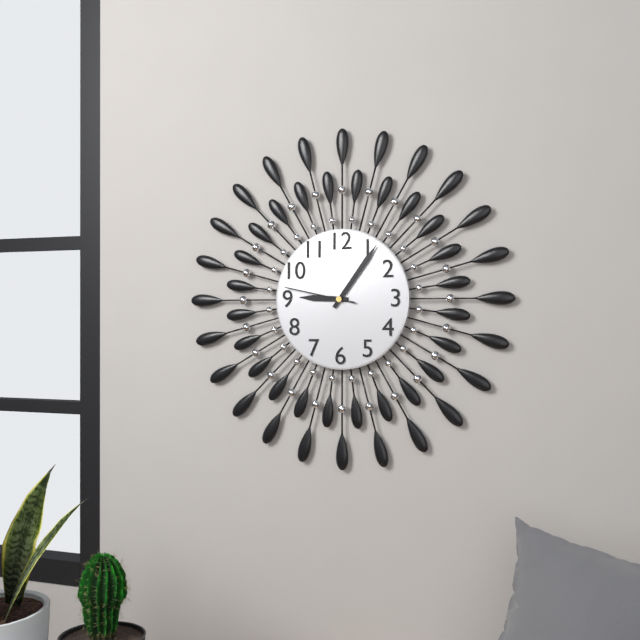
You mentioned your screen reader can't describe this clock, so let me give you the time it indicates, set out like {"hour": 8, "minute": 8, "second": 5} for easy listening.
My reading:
{"hour": 9, "minute": 6, "second": 47}
